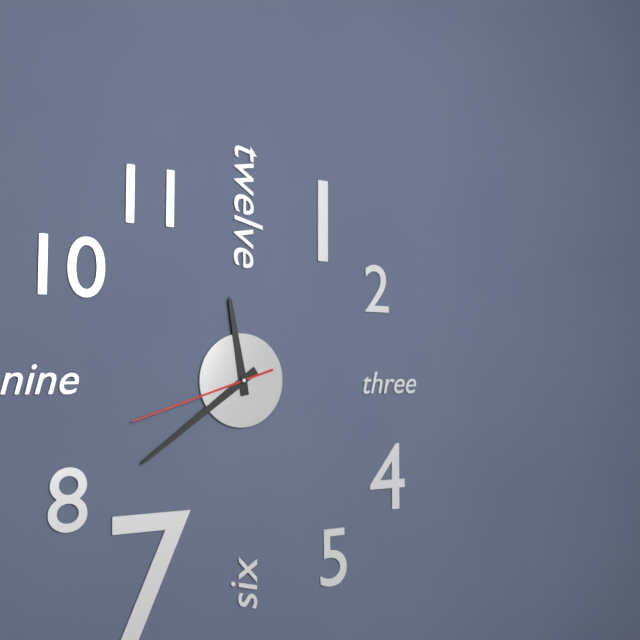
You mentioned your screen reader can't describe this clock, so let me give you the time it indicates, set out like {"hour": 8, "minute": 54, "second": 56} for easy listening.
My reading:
{"hour": 11, "minute": 39, "second": 42}
